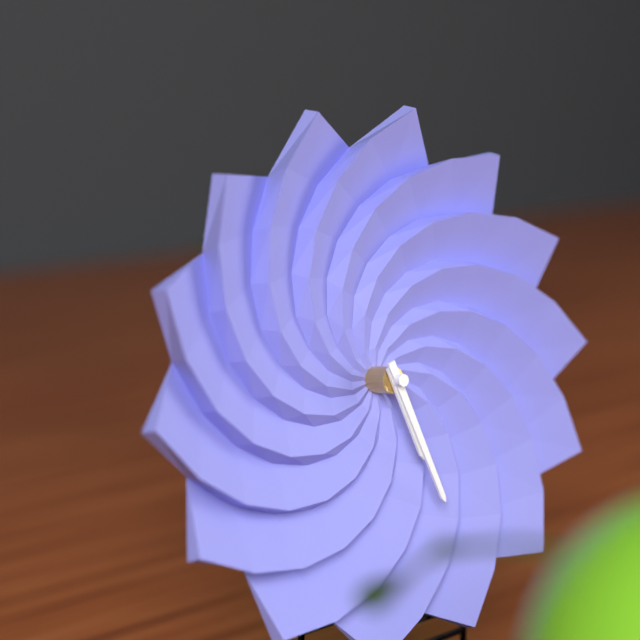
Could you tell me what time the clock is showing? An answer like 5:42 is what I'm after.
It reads 5:27
